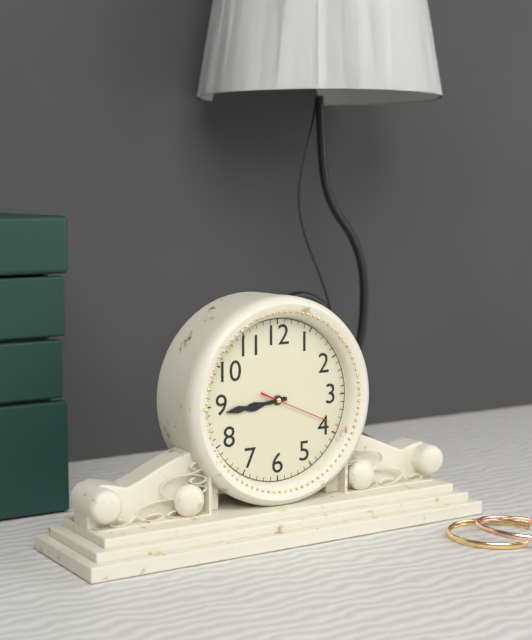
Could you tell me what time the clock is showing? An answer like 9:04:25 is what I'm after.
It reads 8:44:19
